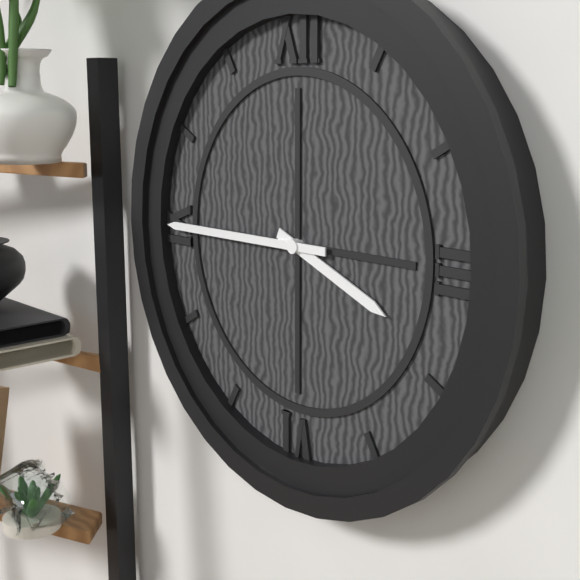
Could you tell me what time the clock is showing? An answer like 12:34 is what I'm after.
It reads 3:45
